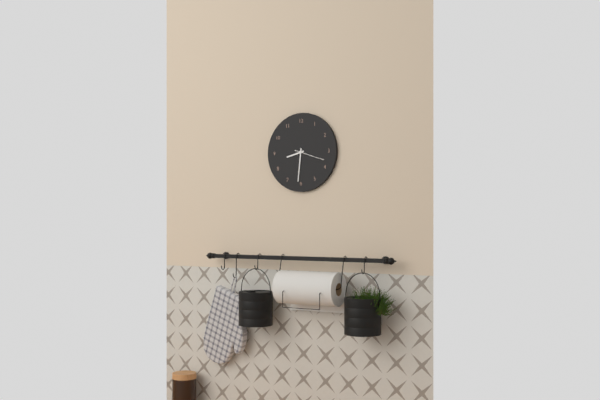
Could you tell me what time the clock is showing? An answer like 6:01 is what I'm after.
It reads 8:31
